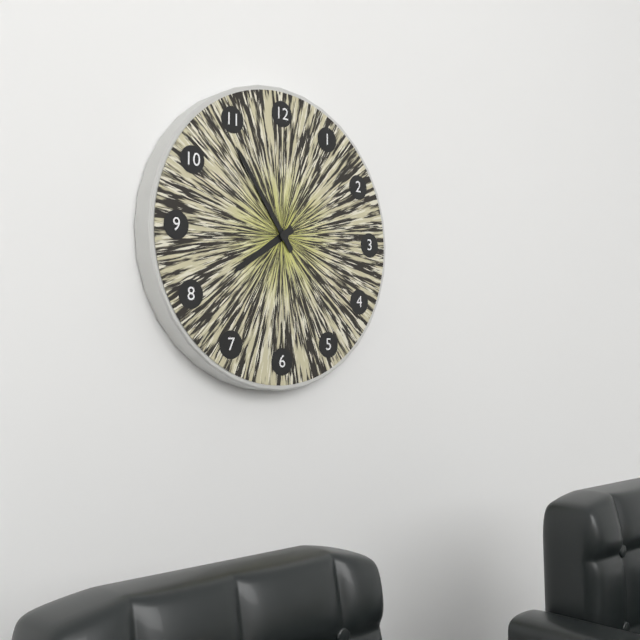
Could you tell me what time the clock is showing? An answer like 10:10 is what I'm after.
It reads 7:54
